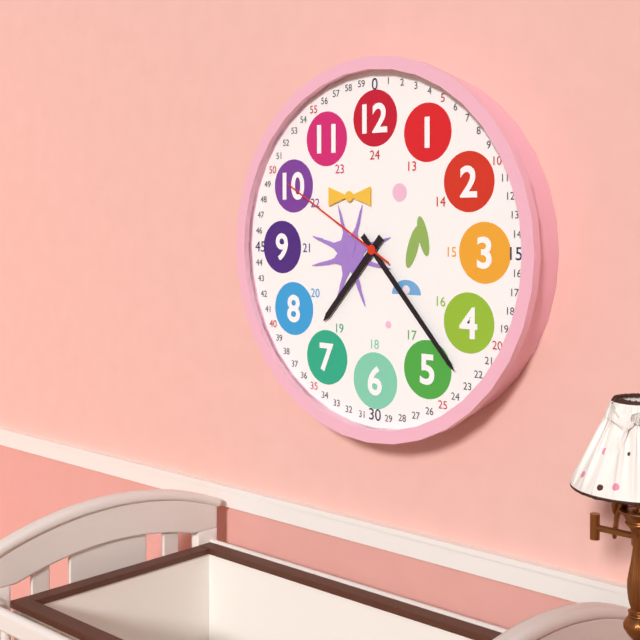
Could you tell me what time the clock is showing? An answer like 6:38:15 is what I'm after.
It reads 7:23:50
